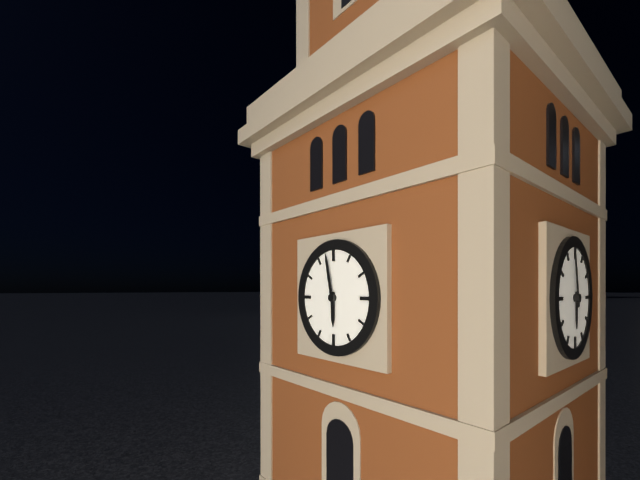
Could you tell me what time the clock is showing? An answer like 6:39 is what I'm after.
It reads 5:58
